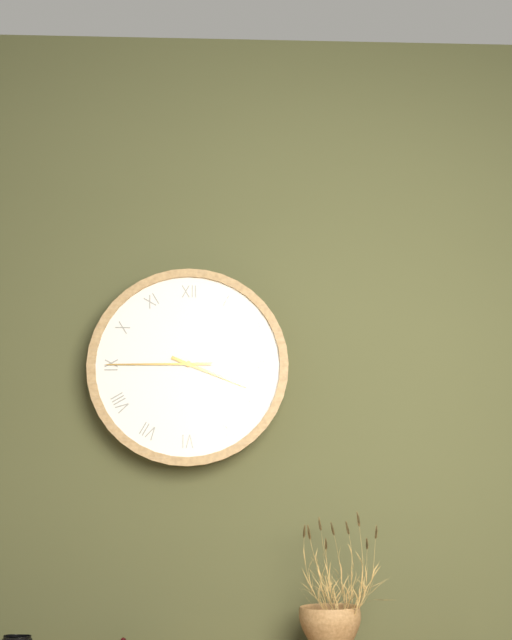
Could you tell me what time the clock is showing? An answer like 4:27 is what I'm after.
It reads 3:45
